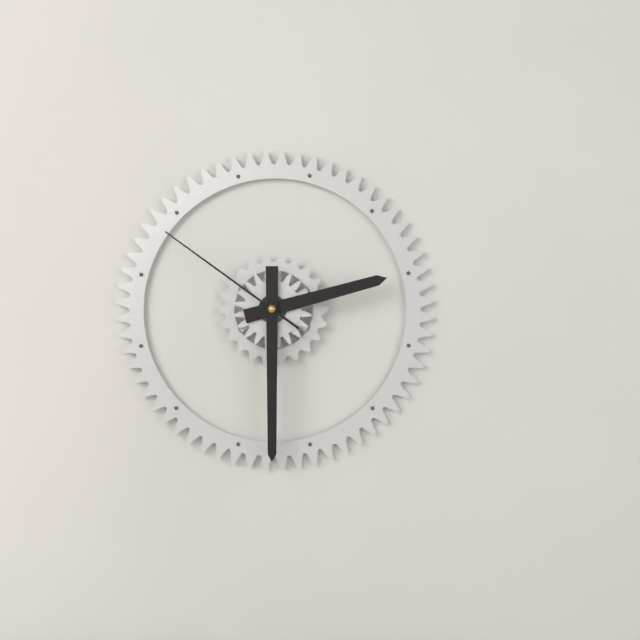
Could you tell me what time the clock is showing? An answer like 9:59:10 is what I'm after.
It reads 2:30:51
